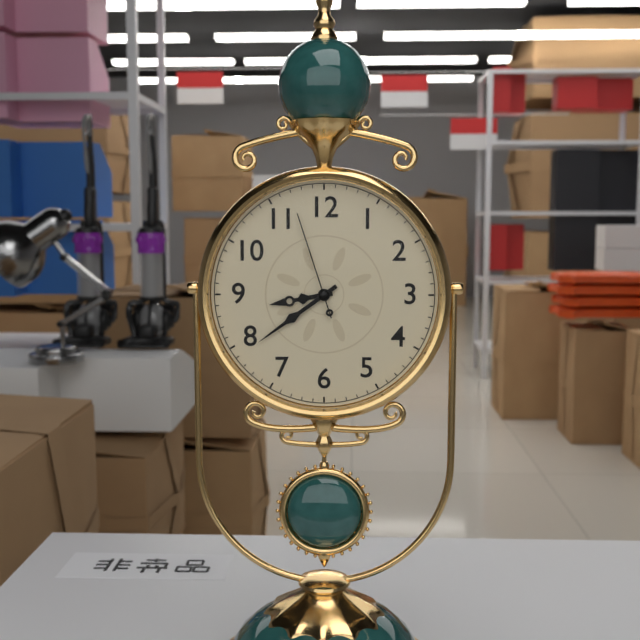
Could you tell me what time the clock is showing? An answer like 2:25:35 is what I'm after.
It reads 8:39:57
